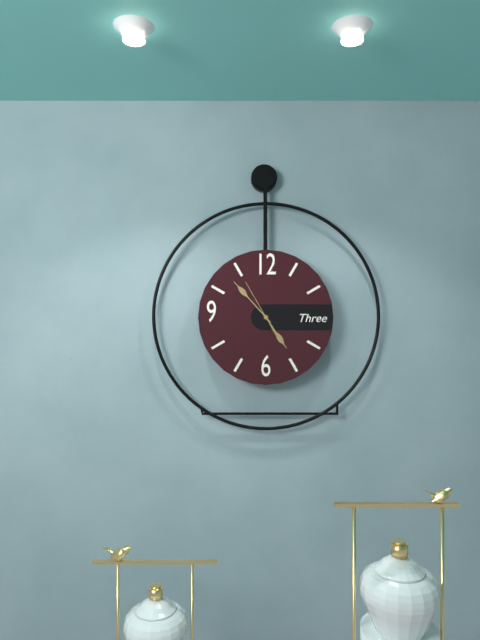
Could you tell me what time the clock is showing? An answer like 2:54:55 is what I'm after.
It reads 4:53:55
